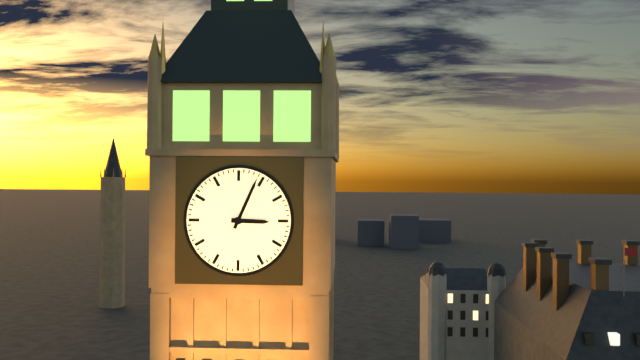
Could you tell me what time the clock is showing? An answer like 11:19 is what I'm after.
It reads 3:04
